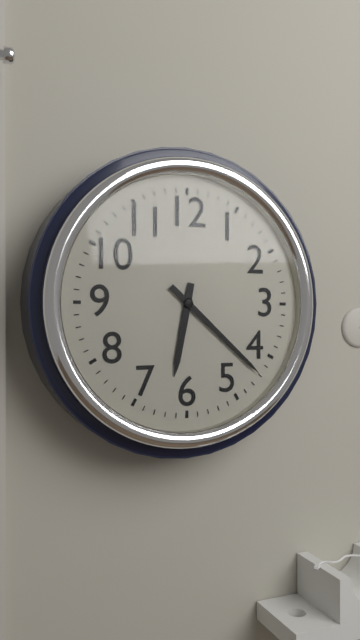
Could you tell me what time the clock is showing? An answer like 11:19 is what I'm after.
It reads 6:22
